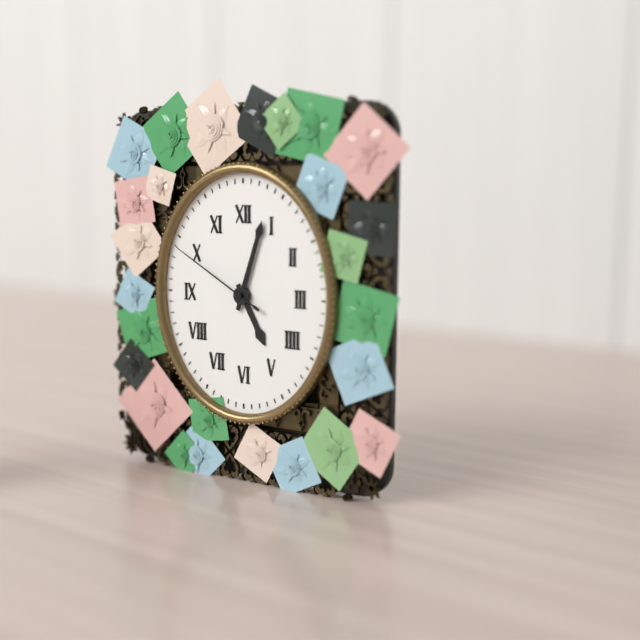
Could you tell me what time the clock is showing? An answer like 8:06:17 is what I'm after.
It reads 5:03:50
